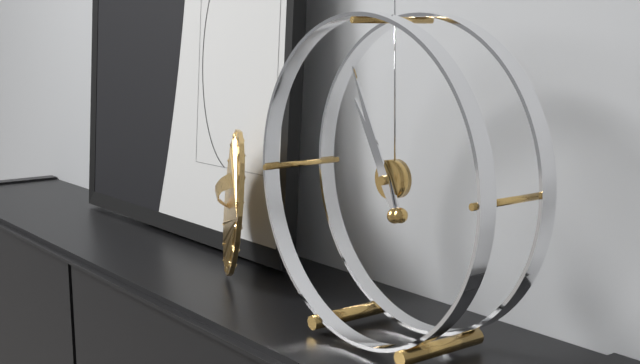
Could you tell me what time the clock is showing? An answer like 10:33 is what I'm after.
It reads 10:56
